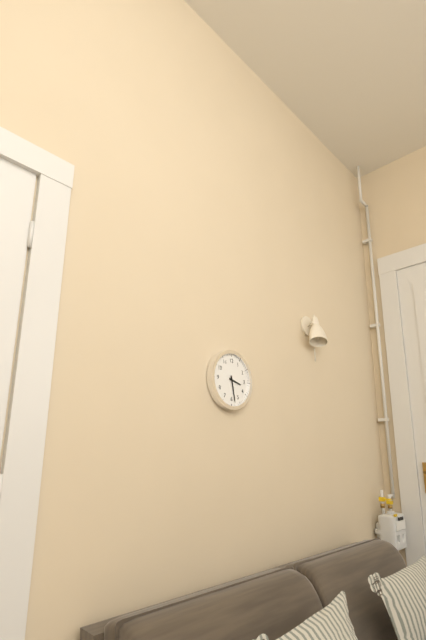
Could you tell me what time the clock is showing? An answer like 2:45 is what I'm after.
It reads 3:28
